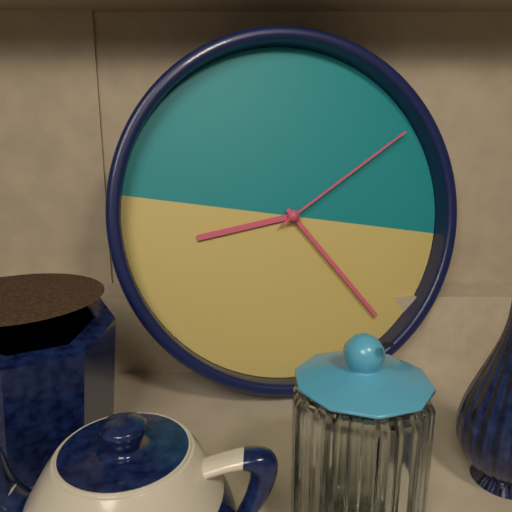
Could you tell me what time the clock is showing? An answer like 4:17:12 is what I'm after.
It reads 8:22:08
